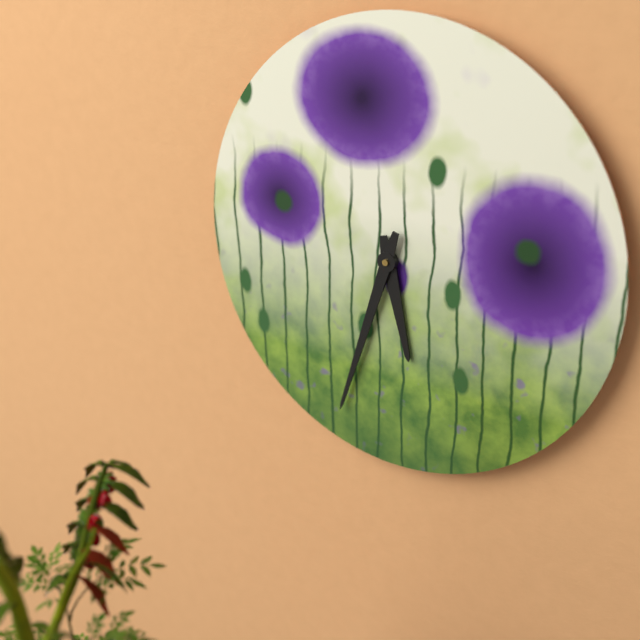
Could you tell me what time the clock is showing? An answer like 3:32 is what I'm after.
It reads 5:33
